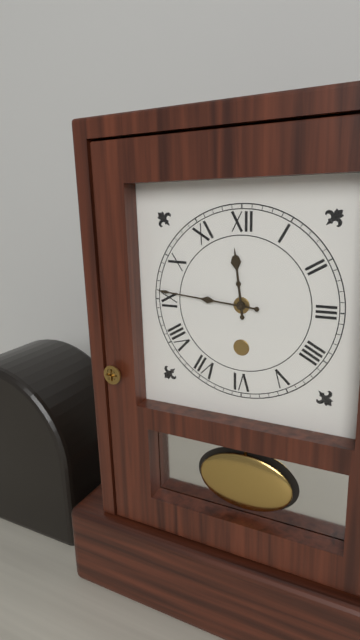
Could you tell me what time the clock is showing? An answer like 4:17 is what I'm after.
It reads 11:46
